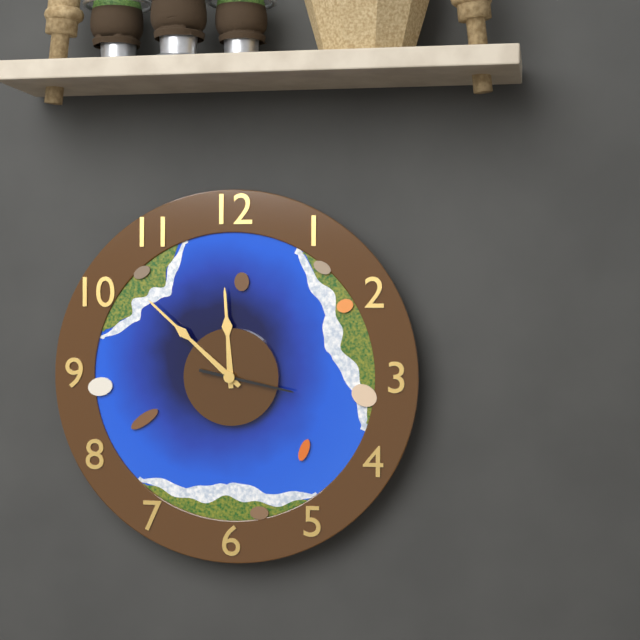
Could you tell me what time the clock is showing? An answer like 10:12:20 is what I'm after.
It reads 11:52:17
